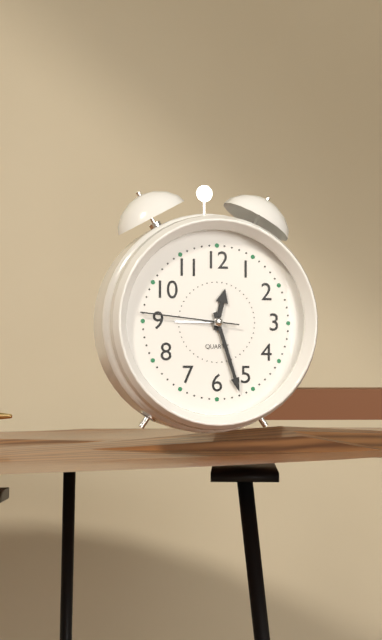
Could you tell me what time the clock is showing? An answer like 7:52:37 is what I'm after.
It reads 12:27:46
